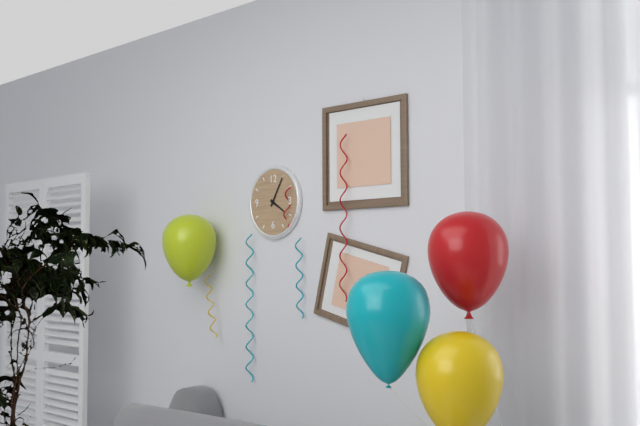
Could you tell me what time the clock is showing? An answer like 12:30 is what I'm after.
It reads 4:05
